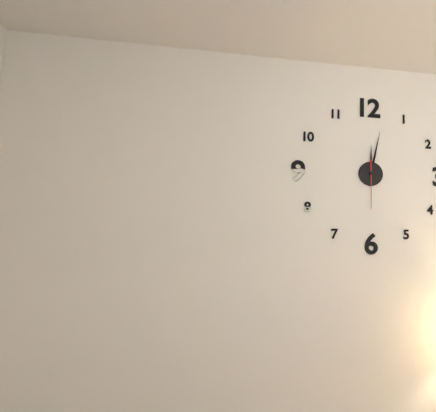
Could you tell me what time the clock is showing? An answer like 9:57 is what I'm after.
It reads 12:02
